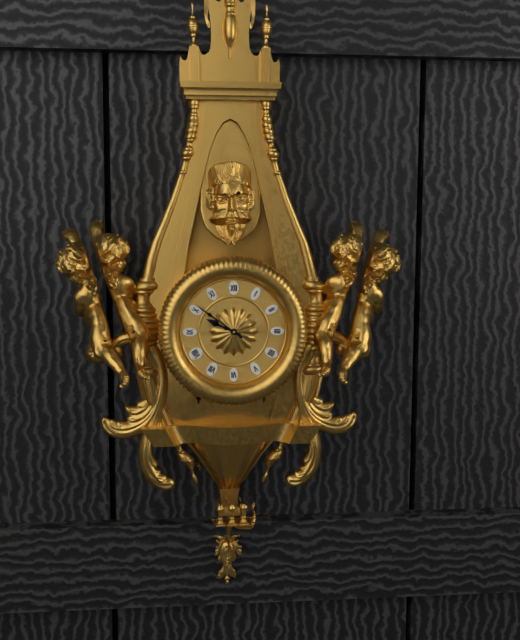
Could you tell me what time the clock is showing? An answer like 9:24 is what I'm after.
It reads 9:51
